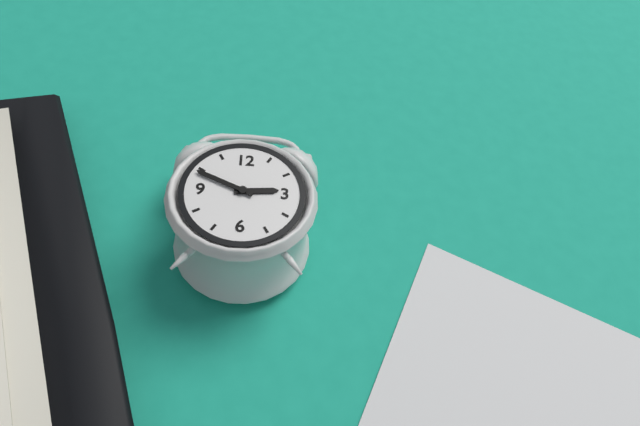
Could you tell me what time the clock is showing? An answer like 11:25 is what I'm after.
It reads 2:49
